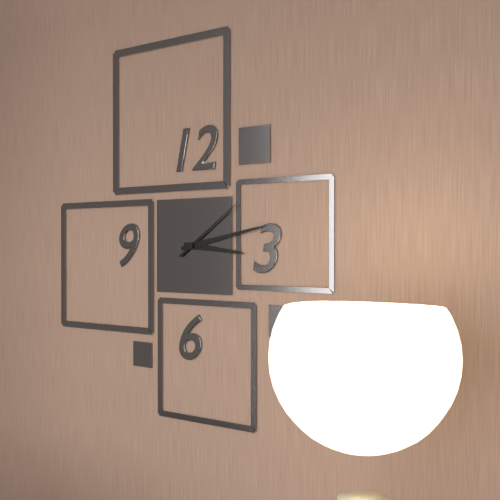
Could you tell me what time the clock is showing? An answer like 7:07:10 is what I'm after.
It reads 3:13:09
